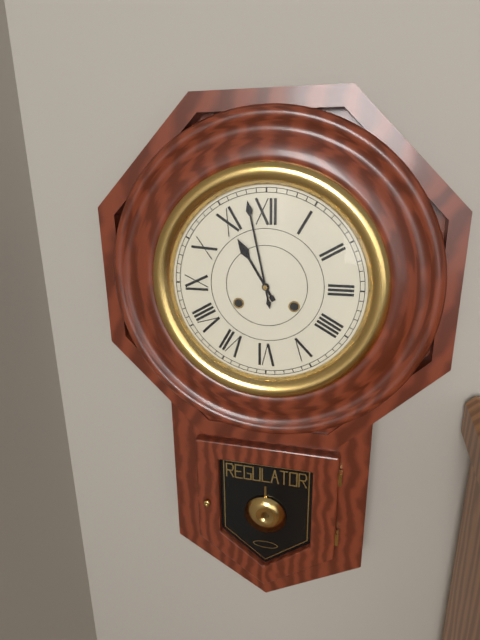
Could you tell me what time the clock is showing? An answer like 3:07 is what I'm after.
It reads 10:58
